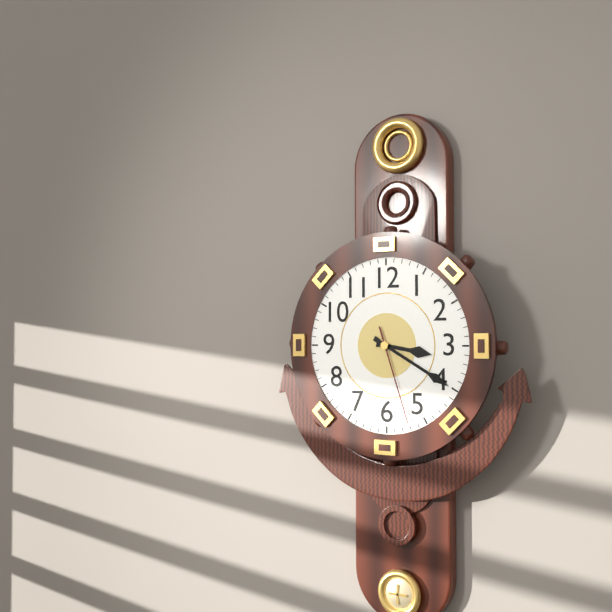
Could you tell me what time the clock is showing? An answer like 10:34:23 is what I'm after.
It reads 3:20:27
